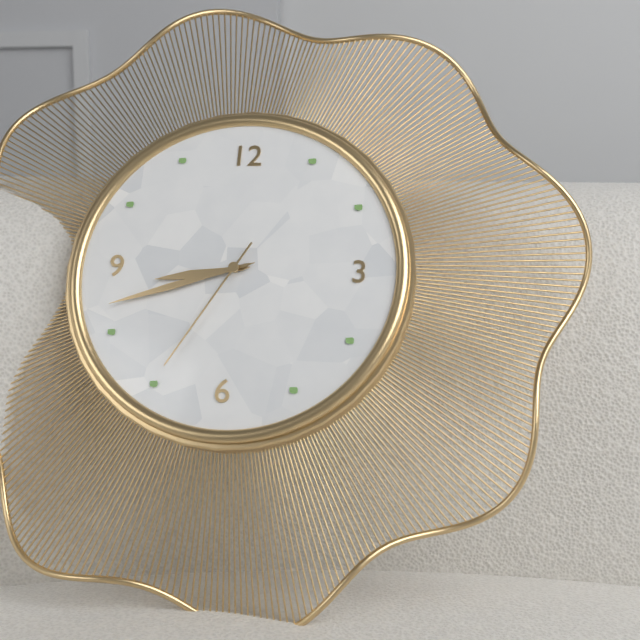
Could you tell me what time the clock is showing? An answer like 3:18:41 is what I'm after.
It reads 8:42:35
